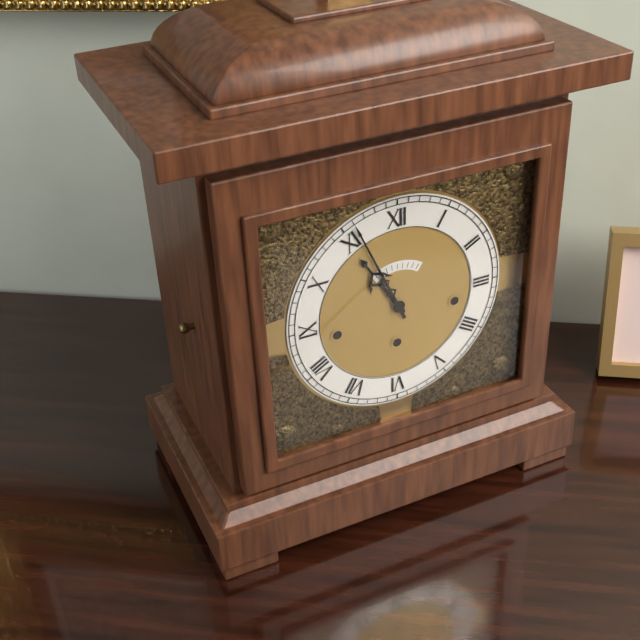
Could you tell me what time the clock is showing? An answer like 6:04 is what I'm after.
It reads 10:56
